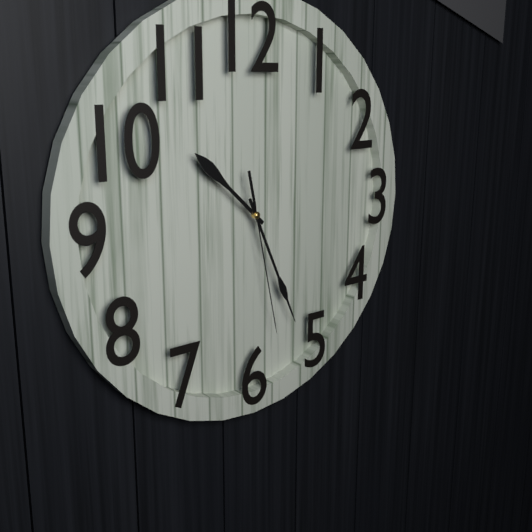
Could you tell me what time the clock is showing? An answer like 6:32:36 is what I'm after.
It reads 10:26:28
